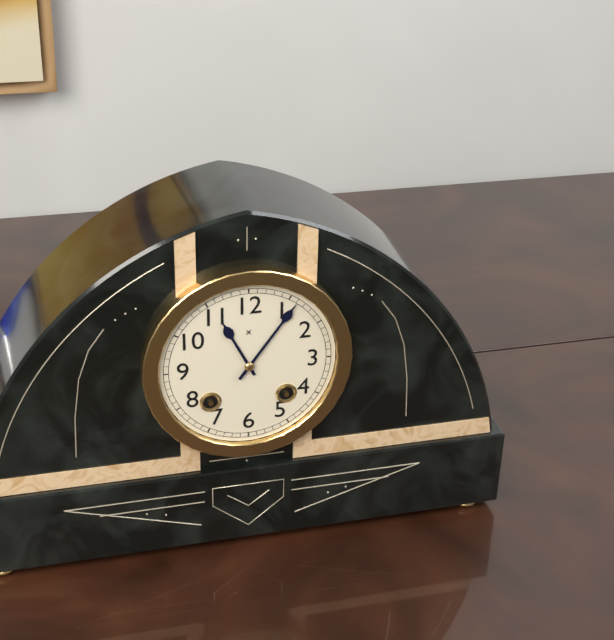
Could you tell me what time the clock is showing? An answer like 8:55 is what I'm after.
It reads 11:06
